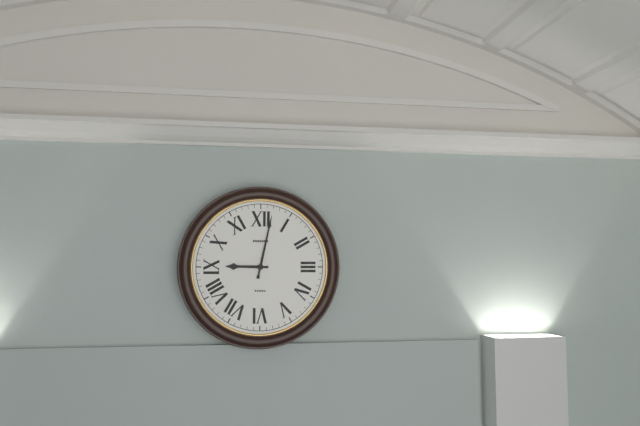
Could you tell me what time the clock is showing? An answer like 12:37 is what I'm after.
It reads 9:02
